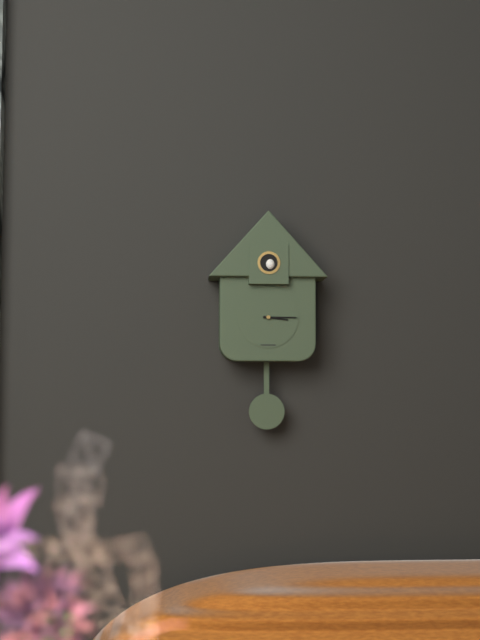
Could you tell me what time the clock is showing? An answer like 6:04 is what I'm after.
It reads 3:15
